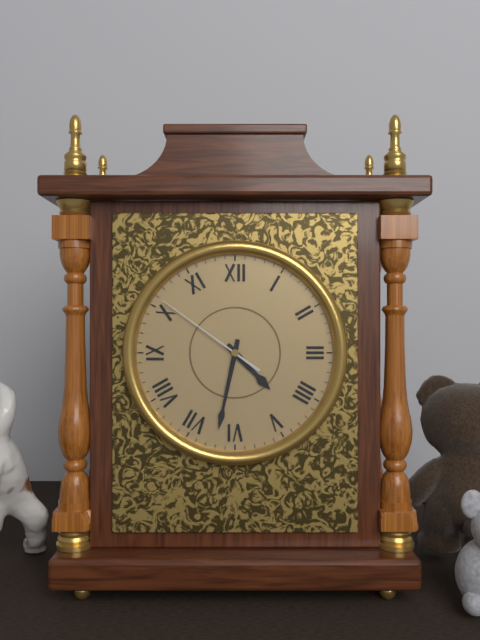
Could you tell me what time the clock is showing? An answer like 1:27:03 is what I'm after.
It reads 4:32:51
